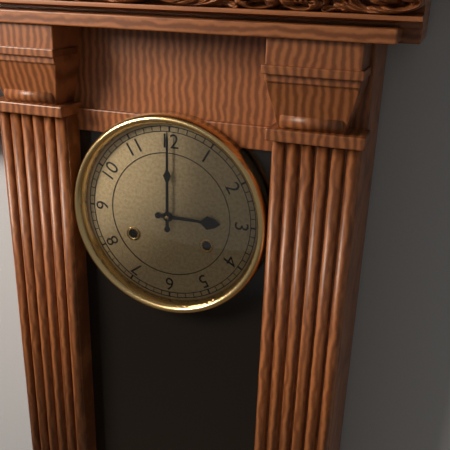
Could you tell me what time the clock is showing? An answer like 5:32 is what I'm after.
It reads 3:00
